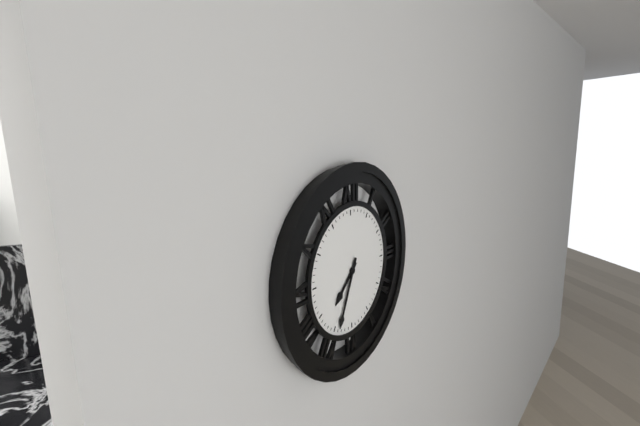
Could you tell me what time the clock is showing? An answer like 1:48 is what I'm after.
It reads 7:34
